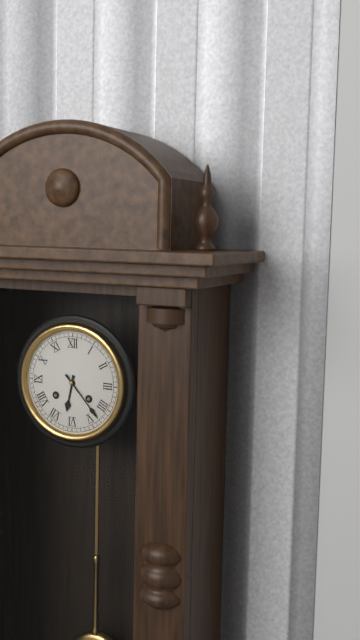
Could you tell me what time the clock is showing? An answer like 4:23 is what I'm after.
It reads 6:23
